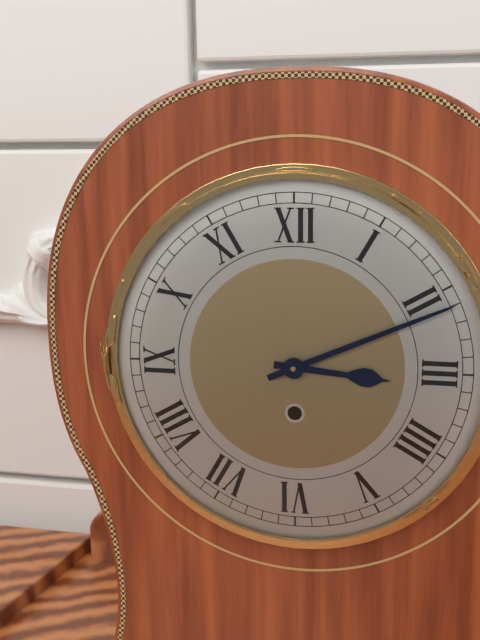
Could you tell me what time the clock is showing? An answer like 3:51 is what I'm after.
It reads 3:11
